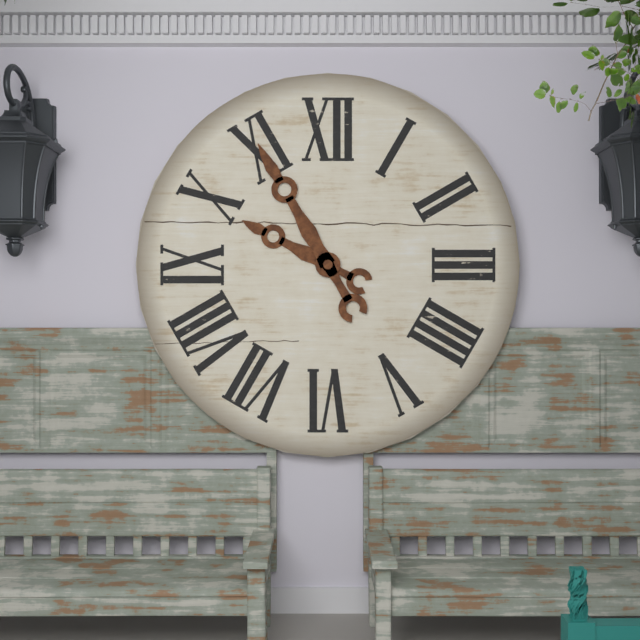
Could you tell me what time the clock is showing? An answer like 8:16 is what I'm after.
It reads 9:55
